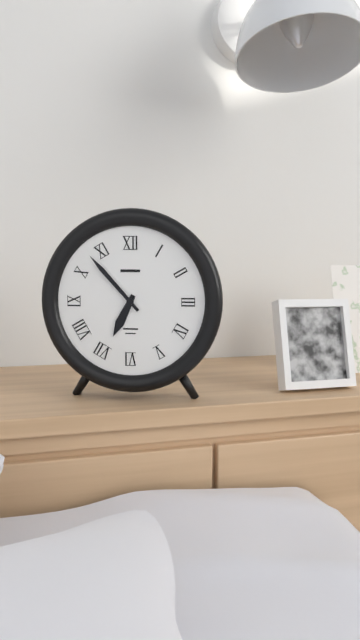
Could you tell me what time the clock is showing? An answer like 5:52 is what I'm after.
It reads 6:53
